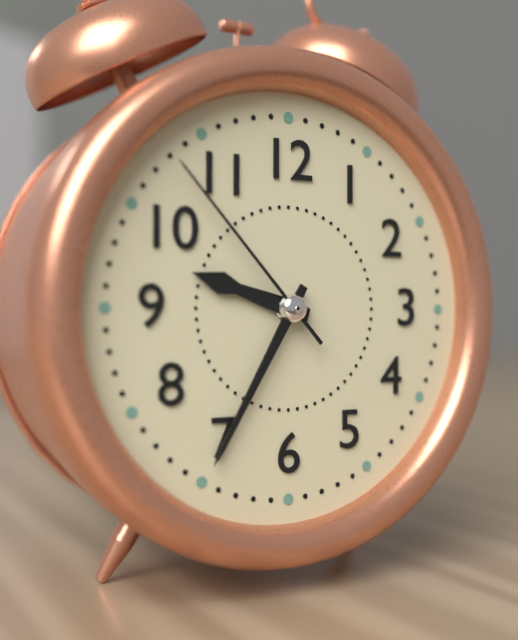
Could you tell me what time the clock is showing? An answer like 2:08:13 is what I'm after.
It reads 9:35:53
